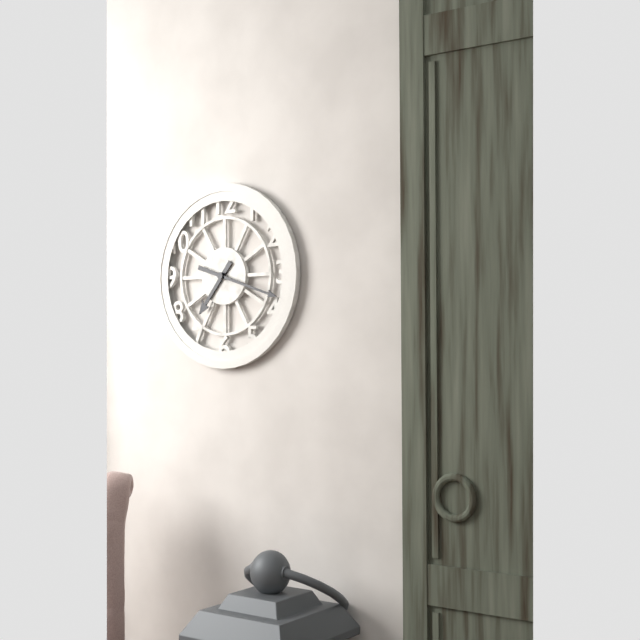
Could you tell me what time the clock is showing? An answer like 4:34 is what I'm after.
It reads 7:18
